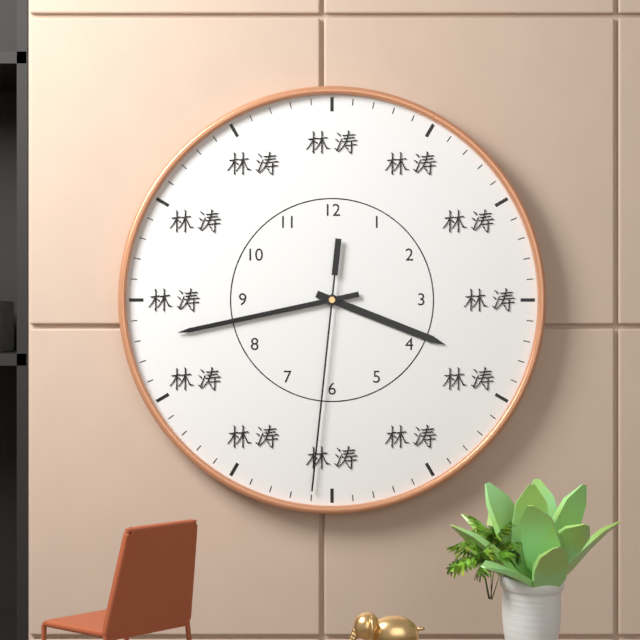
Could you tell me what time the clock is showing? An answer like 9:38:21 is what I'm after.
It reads 3:43:31
